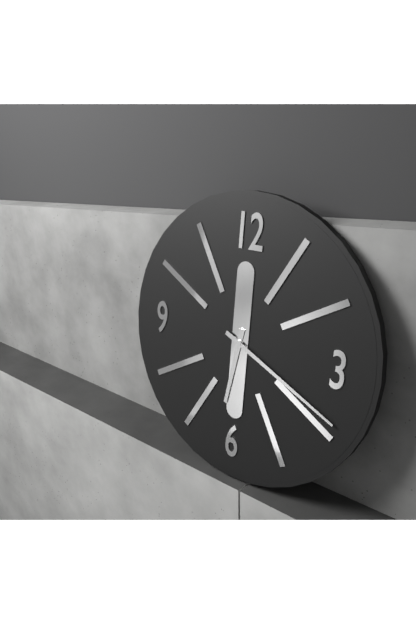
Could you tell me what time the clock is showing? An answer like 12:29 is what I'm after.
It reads 6:19
